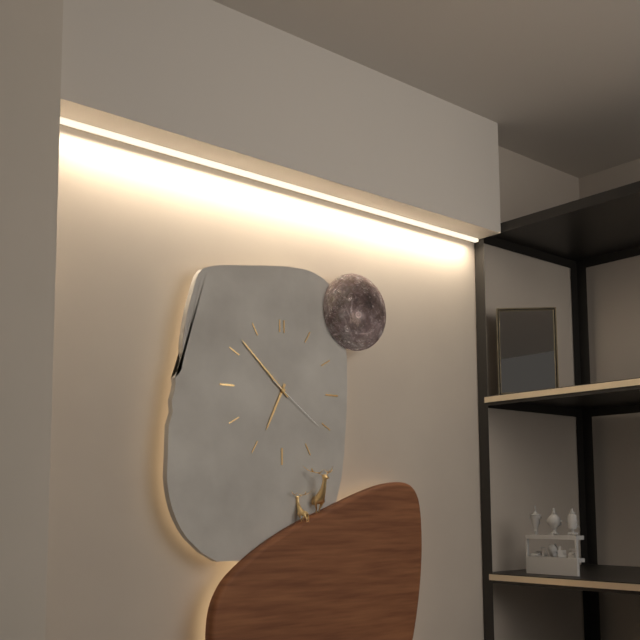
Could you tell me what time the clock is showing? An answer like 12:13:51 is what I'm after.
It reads 6:52:21
